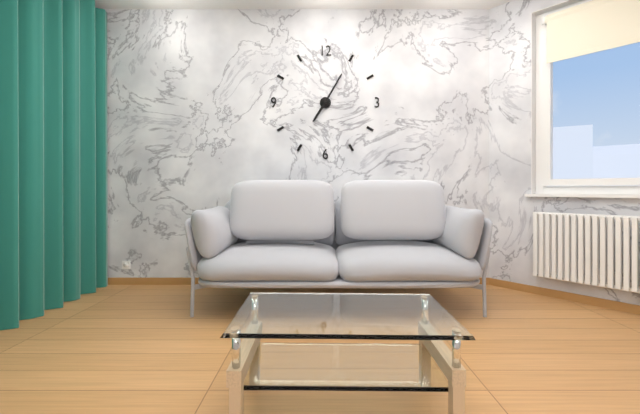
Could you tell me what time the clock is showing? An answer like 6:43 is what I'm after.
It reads 7:05
